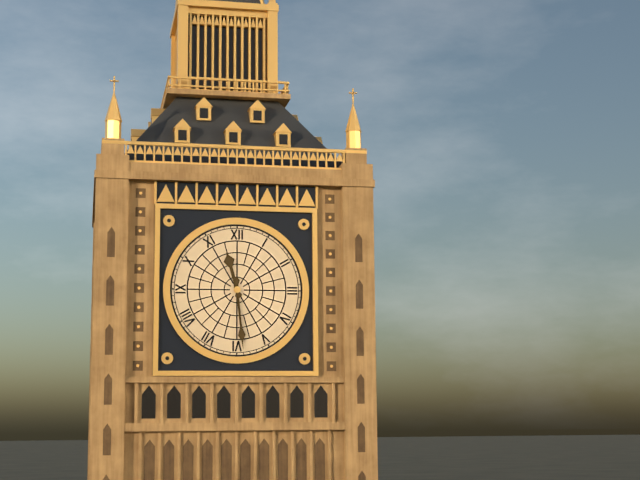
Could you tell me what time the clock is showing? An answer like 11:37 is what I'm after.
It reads 11:29
